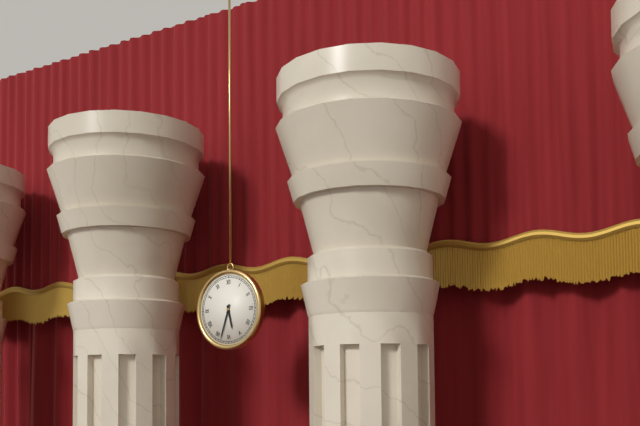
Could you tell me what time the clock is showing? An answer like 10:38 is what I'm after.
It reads 5:33
